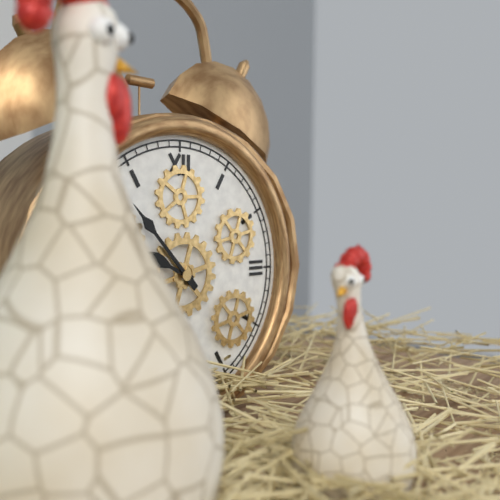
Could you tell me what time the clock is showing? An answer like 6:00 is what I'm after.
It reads 9:53
